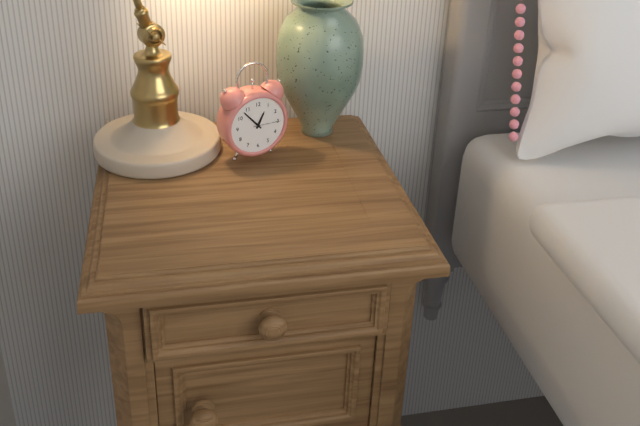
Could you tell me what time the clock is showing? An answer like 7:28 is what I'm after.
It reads 12:53
